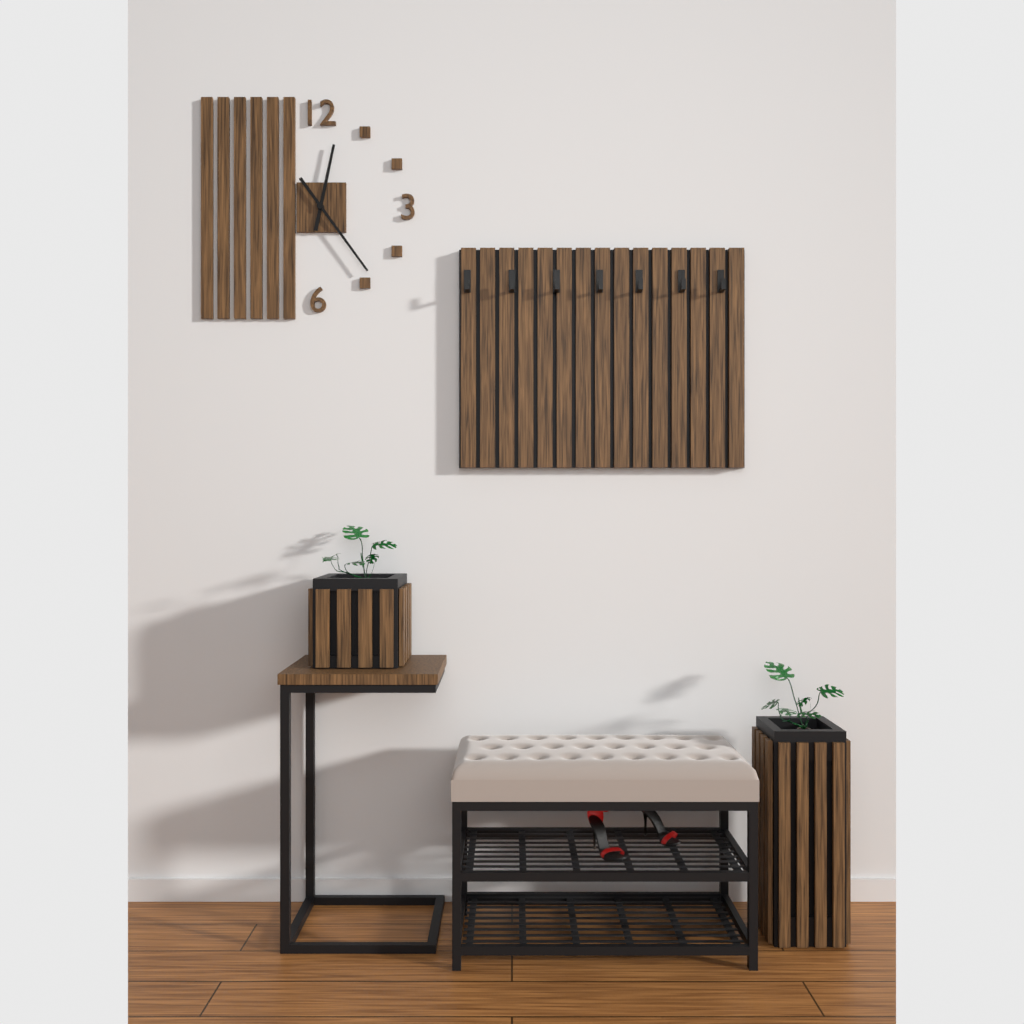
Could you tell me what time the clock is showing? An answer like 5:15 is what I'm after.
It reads 12:24
